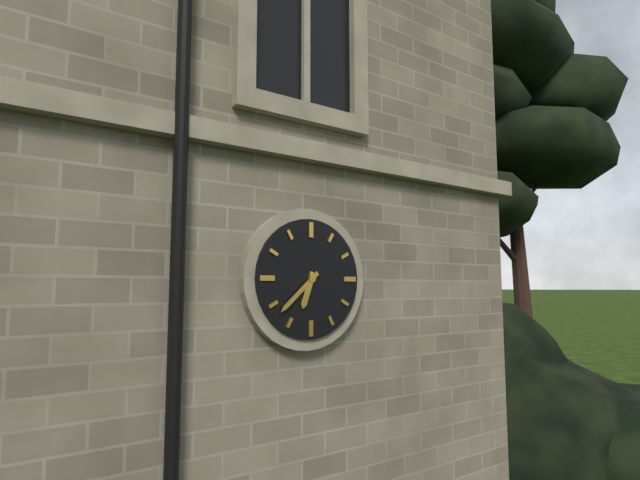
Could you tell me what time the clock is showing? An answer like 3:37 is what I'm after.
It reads 6:38
